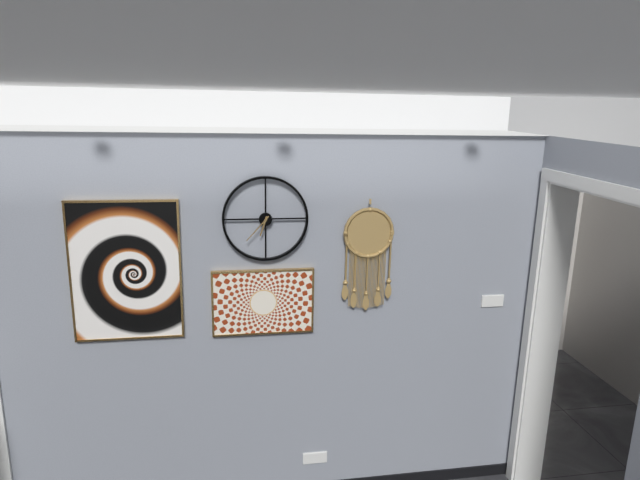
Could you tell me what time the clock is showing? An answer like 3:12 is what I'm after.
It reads 6:37
